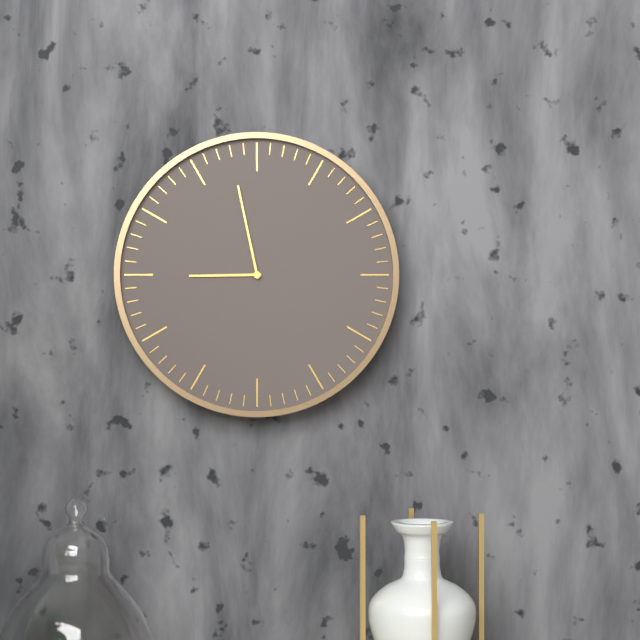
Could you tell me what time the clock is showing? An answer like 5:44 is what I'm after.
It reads 8:58
